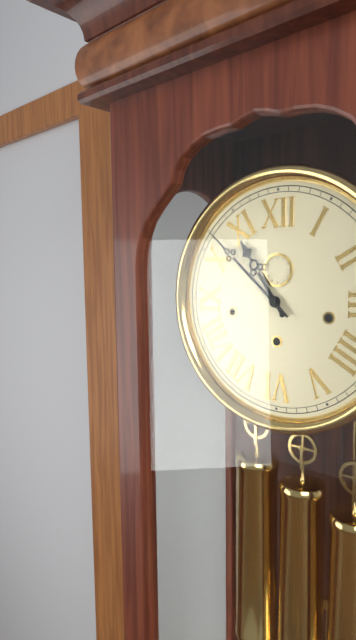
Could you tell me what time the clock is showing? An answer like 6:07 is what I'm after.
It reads 10:52
